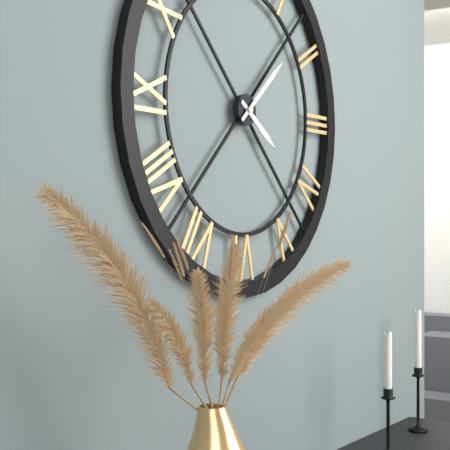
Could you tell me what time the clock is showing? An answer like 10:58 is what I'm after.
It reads 4:08
